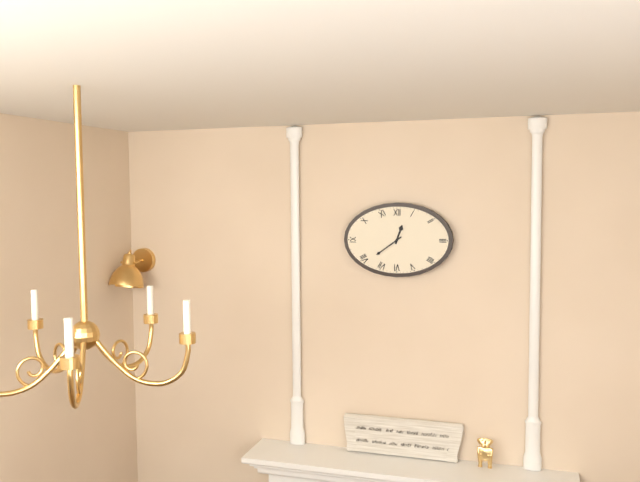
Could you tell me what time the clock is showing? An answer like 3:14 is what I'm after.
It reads 12:39
